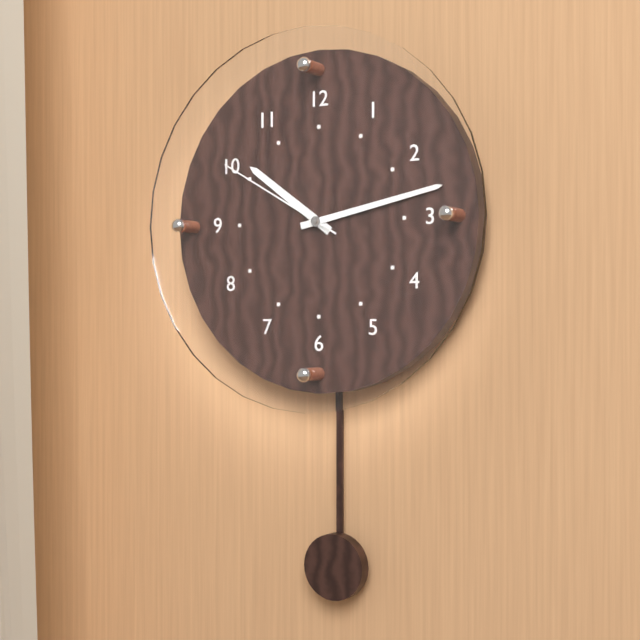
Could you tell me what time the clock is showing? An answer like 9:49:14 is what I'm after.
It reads 10:13:50
